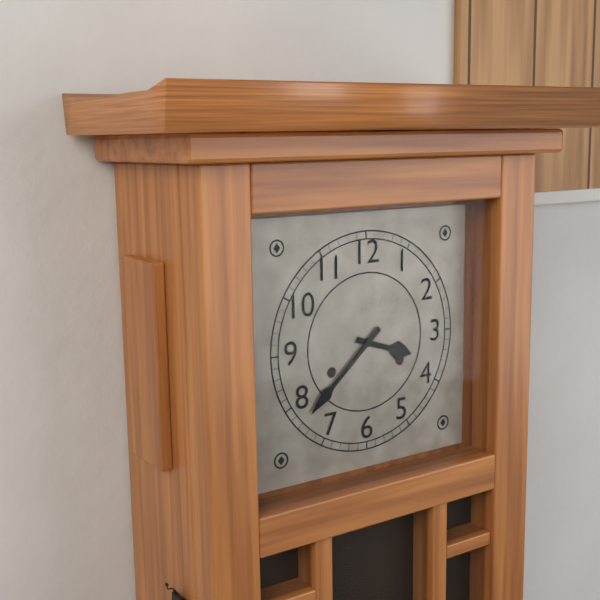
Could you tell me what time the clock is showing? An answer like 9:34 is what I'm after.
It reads 3:38
